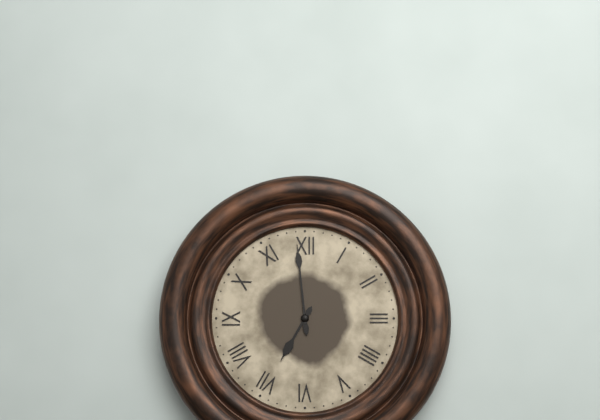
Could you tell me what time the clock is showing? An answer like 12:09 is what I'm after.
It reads 6:59
